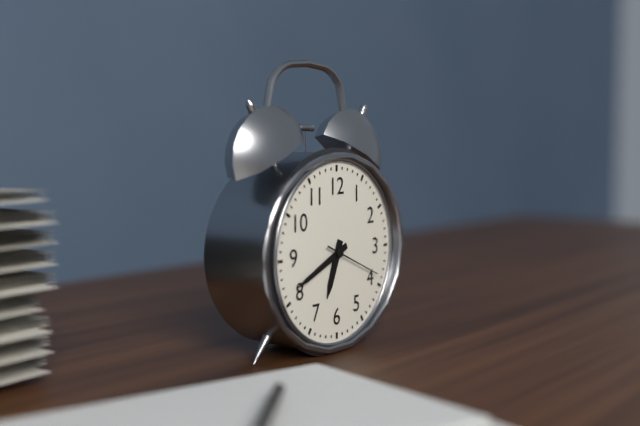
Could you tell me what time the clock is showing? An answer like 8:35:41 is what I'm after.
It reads 6:41:19
